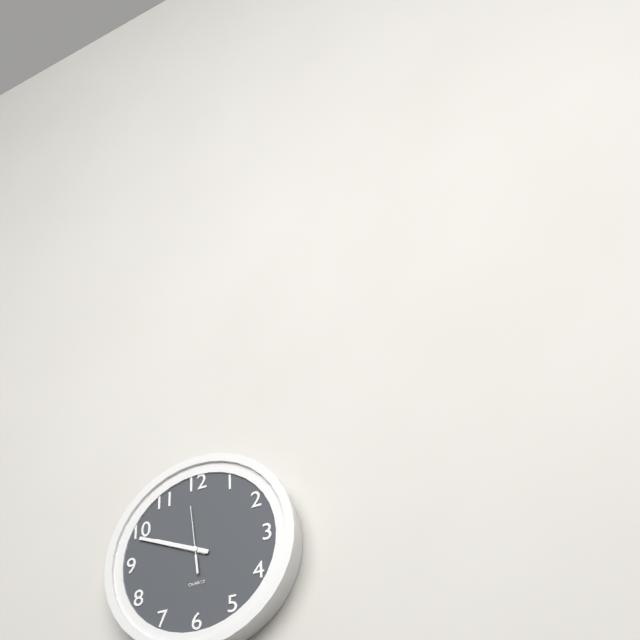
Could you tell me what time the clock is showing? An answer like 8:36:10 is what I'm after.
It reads 9:49:59
